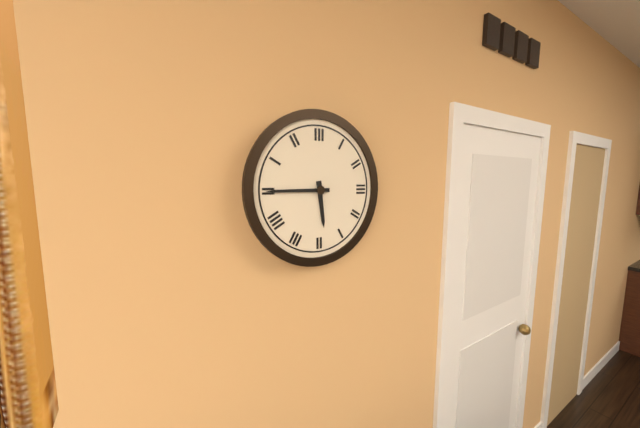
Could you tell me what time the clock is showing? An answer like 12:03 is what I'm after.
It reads 5:45
